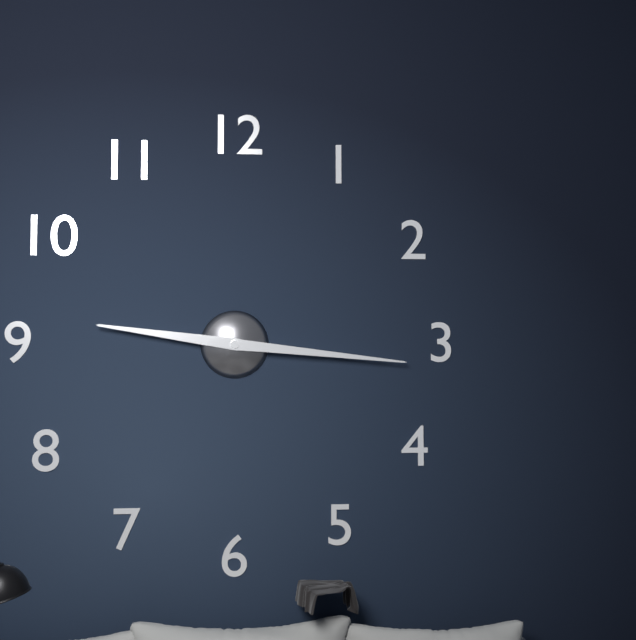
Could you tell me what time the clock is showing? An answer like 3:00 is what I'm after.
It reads 9:16
